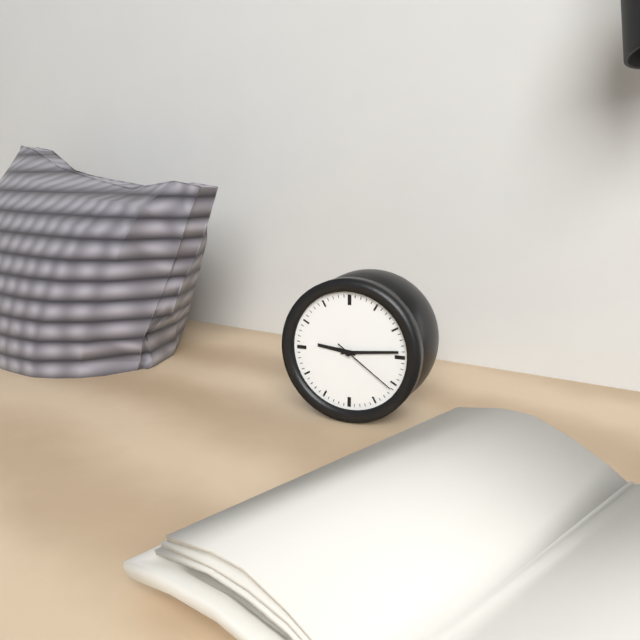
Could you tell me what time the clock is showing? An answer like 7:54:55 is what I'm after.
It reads 9:14:21
